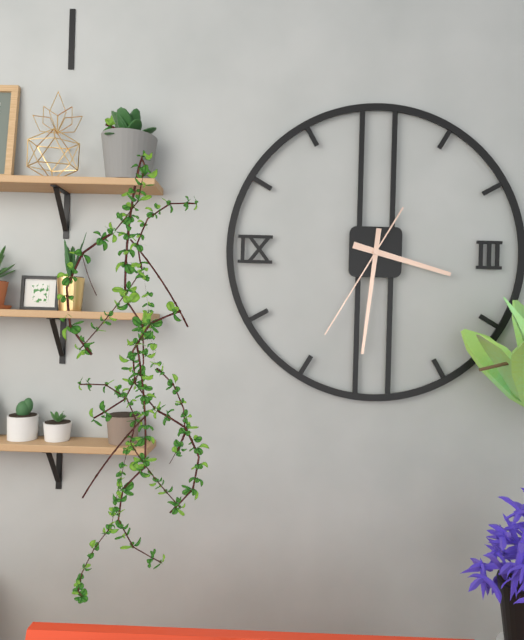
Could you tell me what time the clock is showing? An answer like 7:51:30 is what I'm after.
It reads 3:31:35
